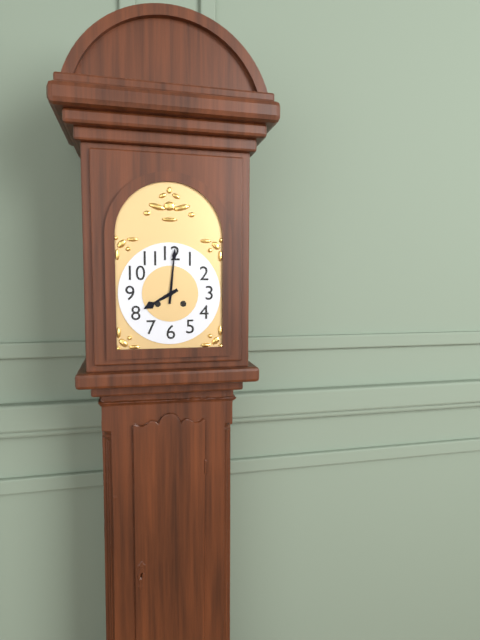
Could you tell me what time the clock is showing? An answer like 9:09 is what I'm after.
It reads 8:01
